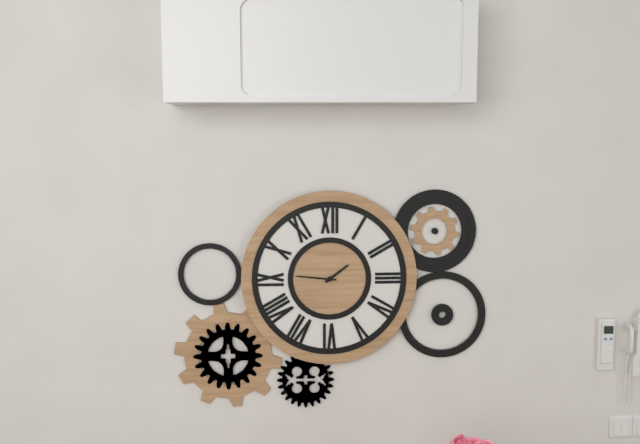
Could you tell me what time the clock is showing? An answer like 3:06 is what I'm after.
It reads 1:46
